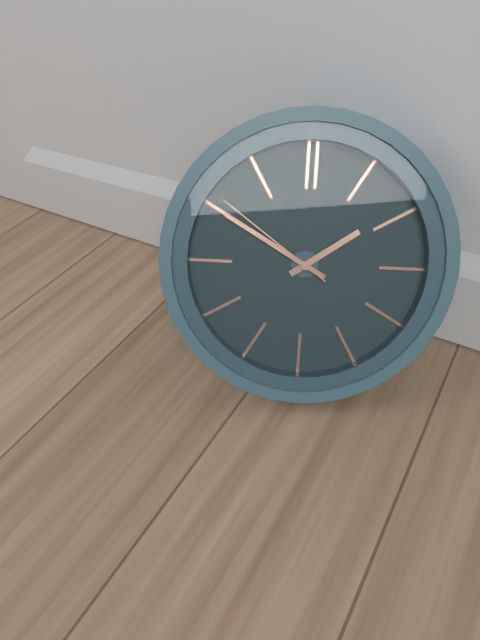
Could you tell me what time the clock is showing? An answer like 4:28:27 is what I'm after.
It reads 1:50:51
